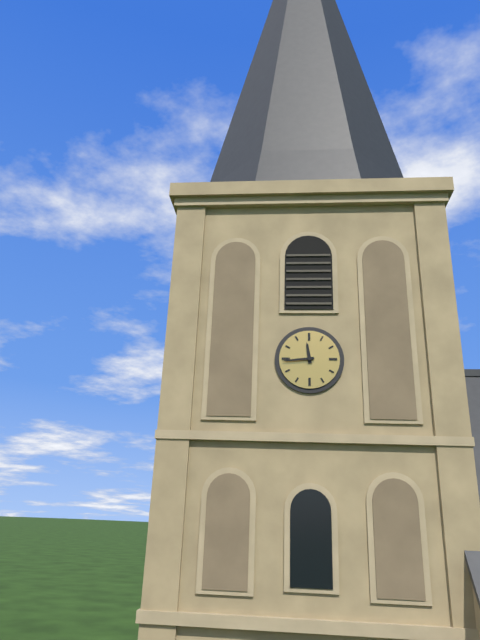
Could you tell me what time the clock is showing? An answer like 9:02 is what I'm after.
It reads 11:44
